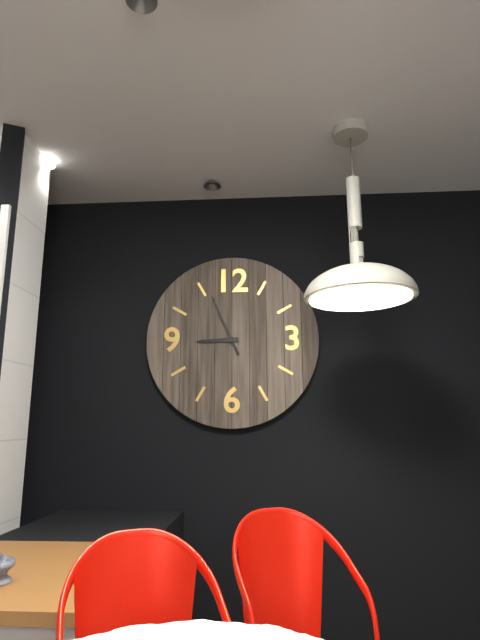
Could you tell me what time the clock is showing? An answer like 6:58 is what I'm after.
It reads 8:56
